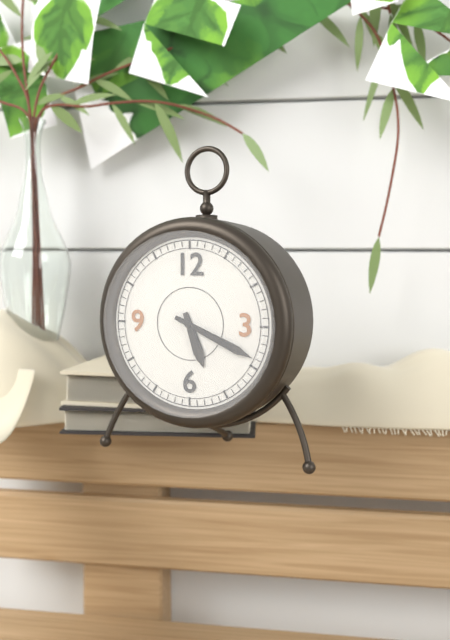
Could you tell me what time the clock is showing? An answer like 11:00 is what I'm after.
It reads 5:19
